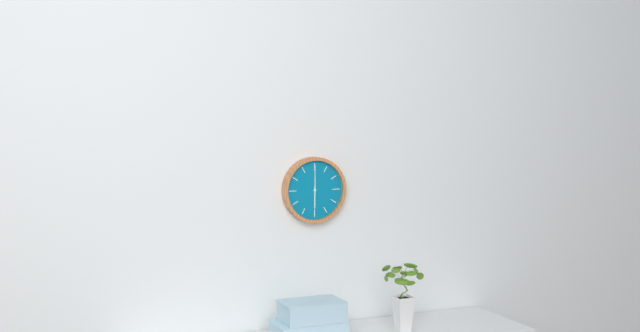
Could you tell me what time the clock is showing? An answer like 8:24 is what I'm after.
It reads 6:00
